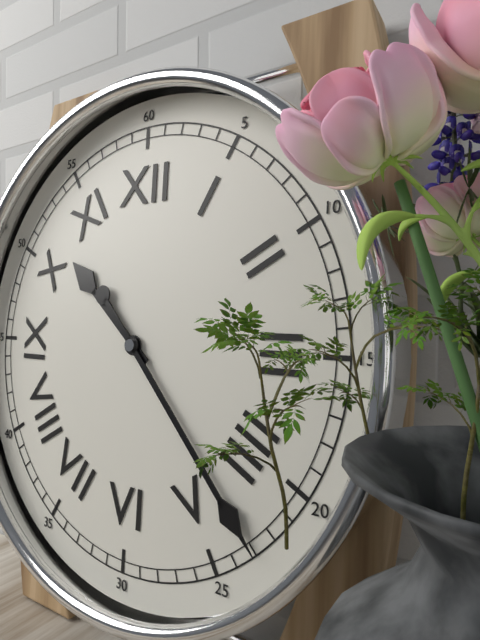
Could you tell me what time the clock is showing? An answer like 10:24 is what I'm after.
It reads 10:23
